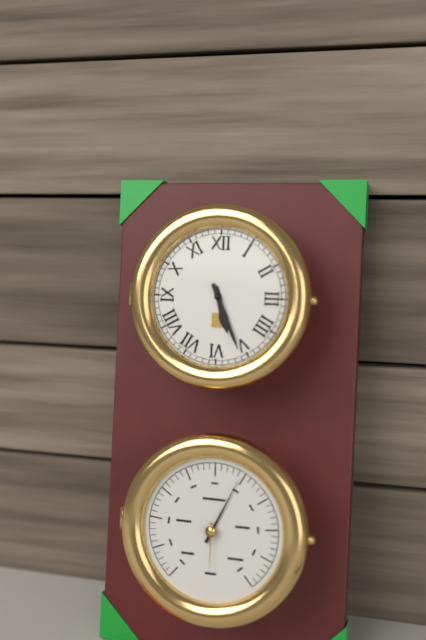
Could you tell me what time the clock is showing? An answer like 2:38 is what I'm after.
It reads 5:26
